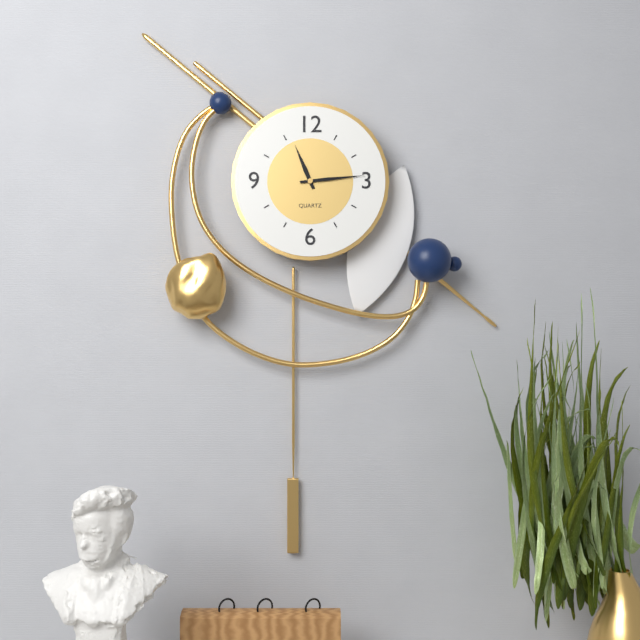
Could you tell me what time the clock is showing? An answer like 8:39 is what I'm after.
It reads 11:14
